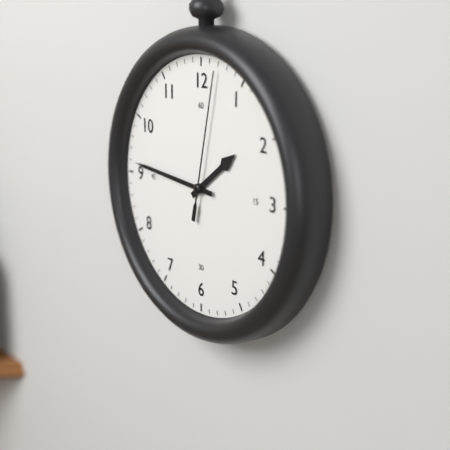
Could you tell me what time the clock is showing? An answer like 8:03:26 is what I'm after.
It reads 1:46:02
